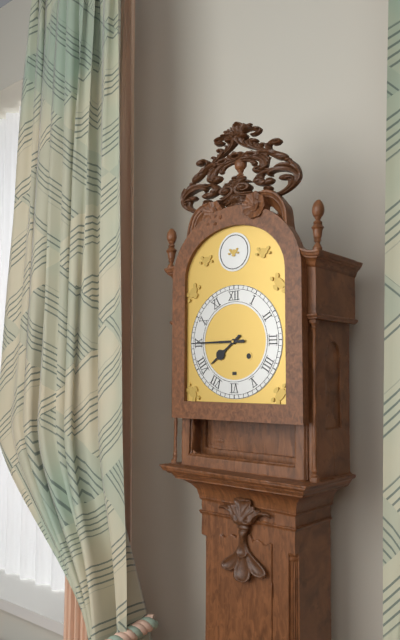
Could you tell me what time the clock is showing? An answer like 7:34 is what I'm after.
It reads 7:45
